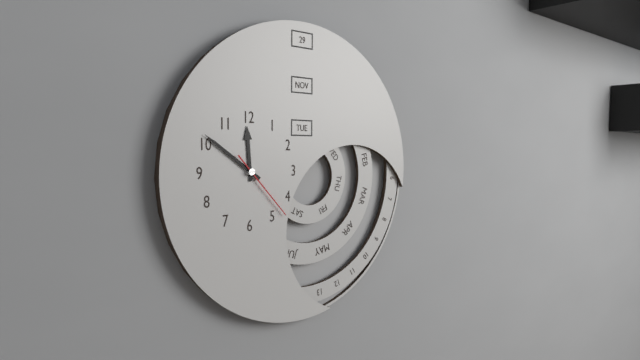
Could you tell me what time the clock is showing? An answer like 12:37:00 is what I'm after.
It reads 11:51:23
